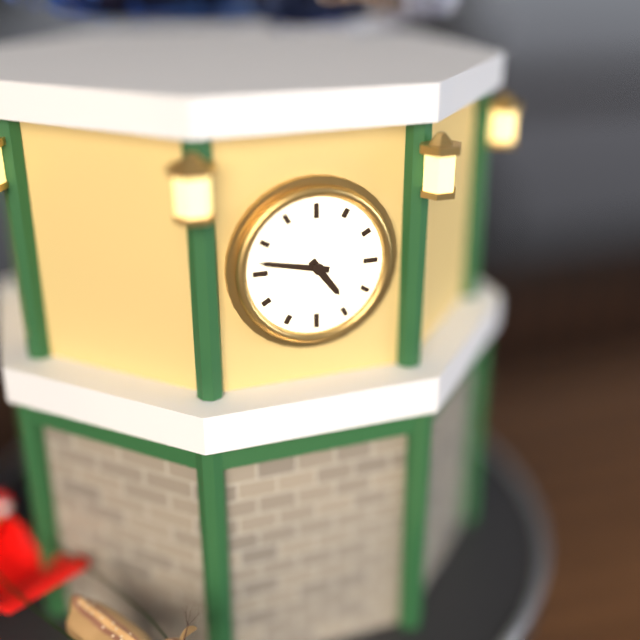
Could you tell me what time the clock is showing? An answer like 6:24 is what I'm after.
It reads 4:47
